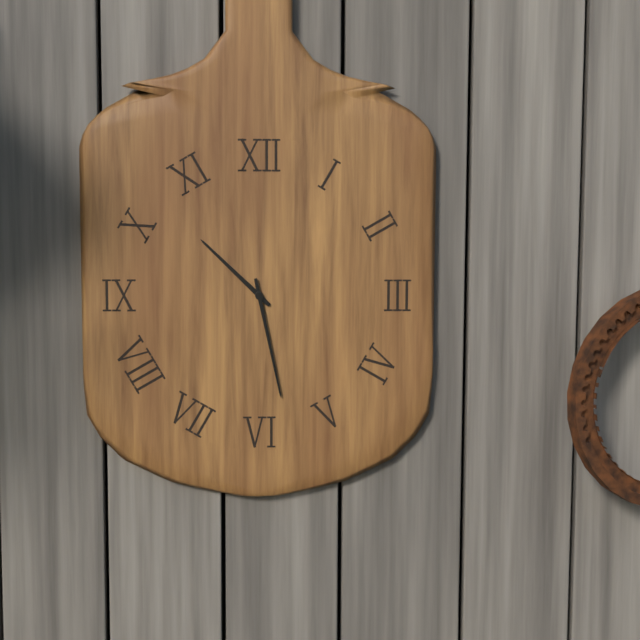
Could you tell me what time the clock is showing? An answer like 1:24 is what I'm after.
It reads 10:28
